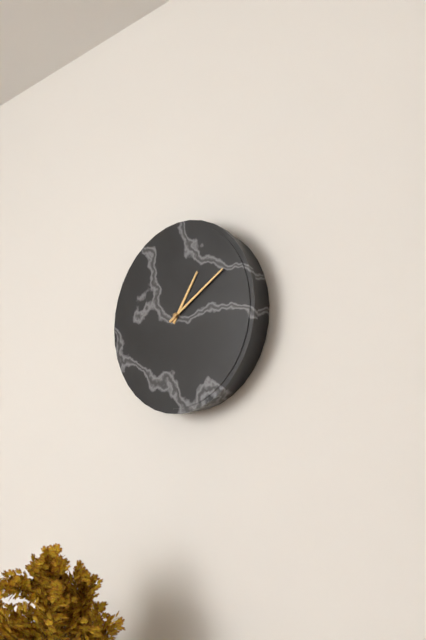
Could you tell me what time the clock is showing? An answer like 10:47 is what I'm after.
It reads 1:10
